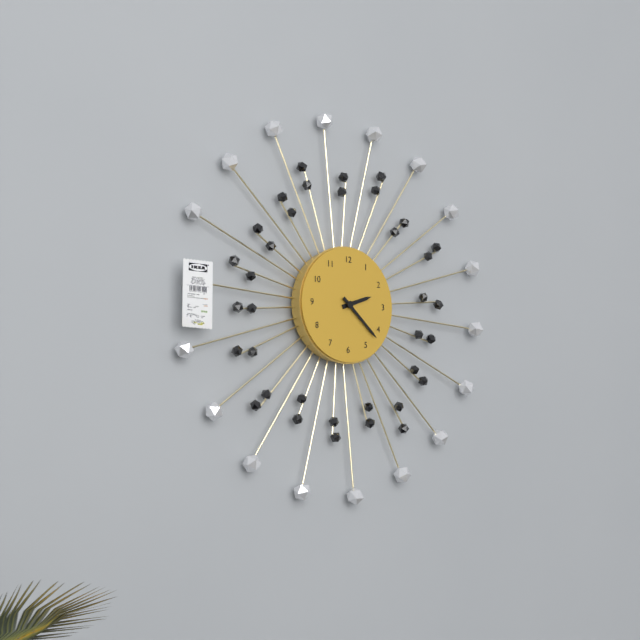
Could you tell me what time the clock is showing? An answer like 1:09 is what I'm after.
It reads 2:22
